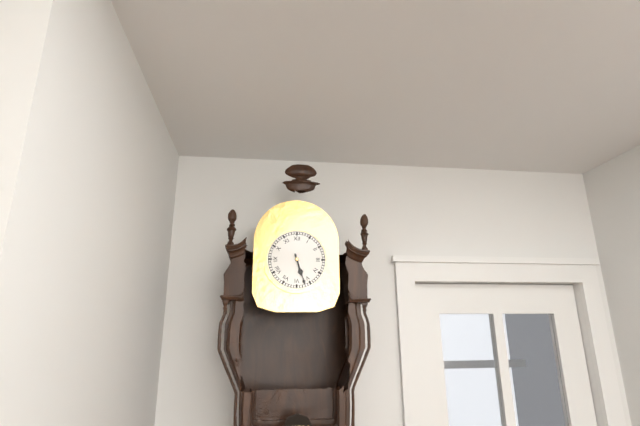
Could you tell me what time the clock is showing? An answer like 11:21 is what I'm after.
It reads 5:27
